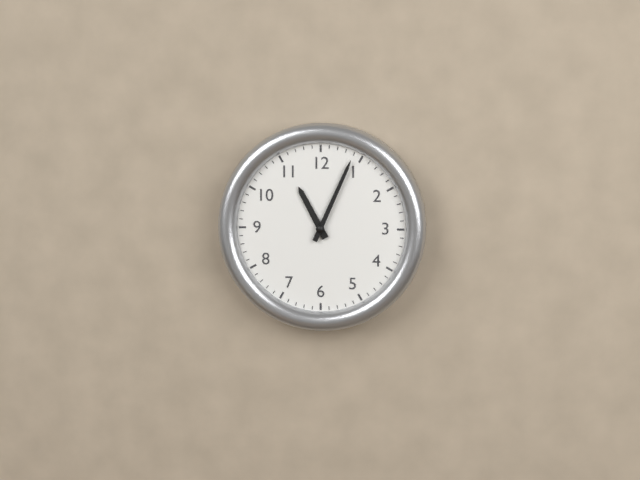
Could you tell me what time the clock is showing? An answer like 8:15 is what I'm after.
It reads 11:04
